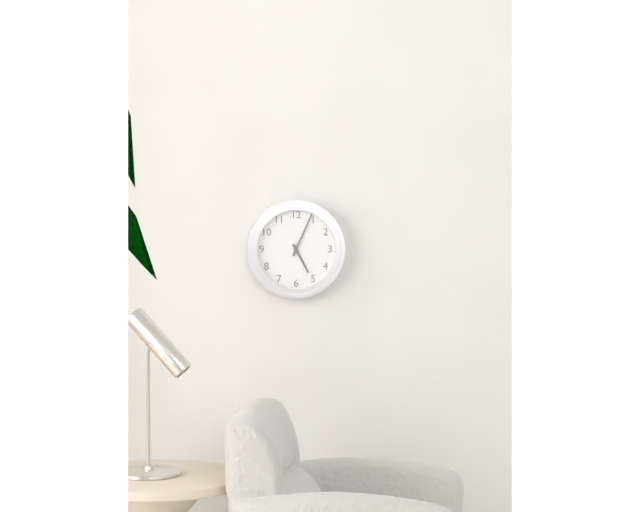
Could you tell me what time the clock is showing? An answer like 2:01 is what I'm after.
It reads 5:04
